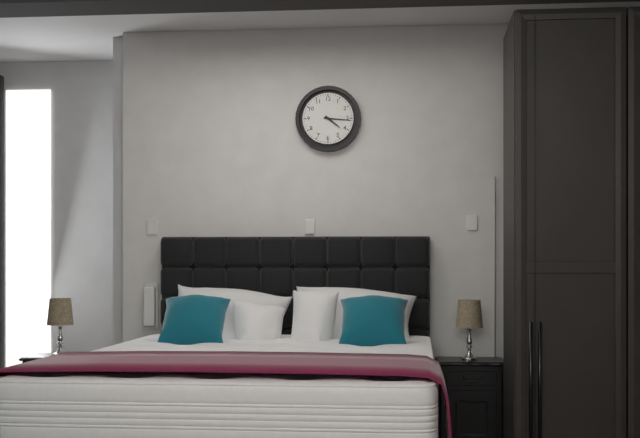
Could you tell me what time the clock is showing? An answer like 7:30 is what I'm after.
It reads 4:16
